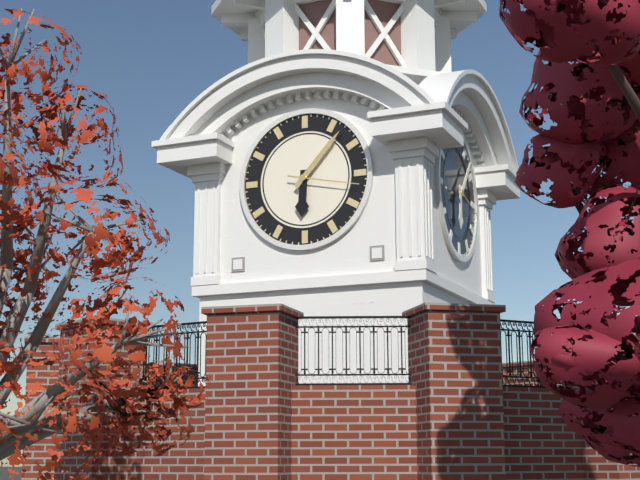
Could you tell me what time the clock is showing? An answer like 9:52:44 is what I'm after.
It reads 6:07:17
